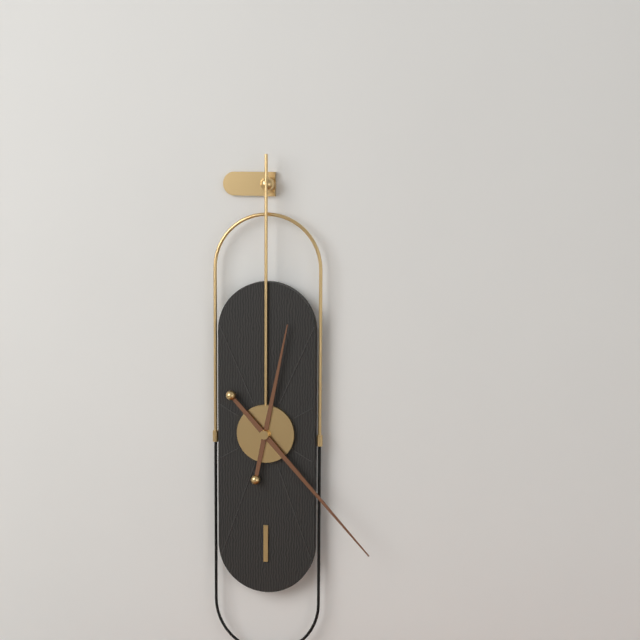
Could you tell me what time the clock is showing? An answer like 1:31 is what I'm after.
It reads 12:23
